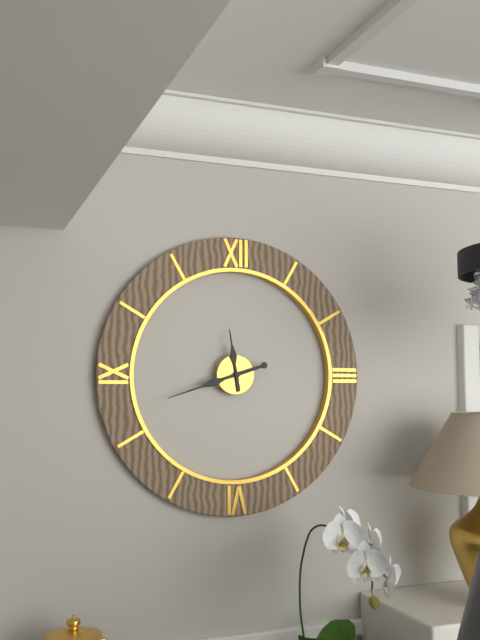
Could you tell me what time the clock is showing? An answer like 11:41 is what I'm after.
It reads 11:42
